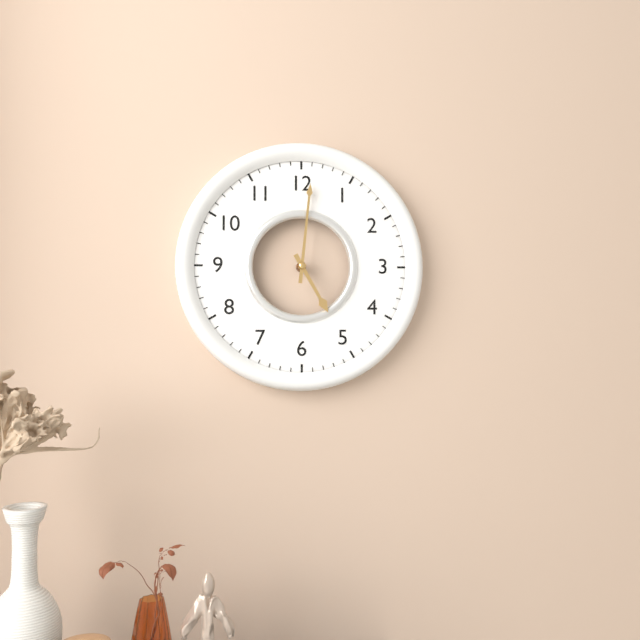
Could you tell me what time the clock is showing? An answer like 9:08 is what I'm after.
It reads 5:01
